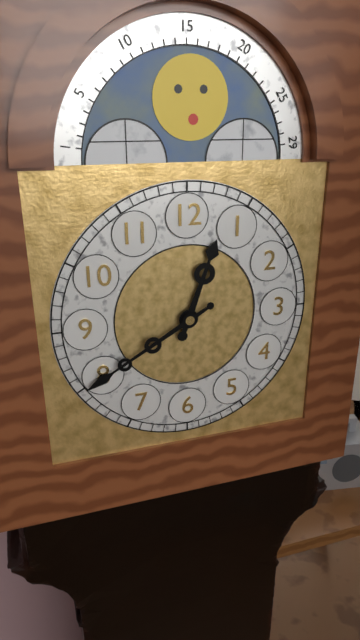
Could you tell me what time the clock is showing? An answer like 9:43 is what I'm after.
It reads 12:40
